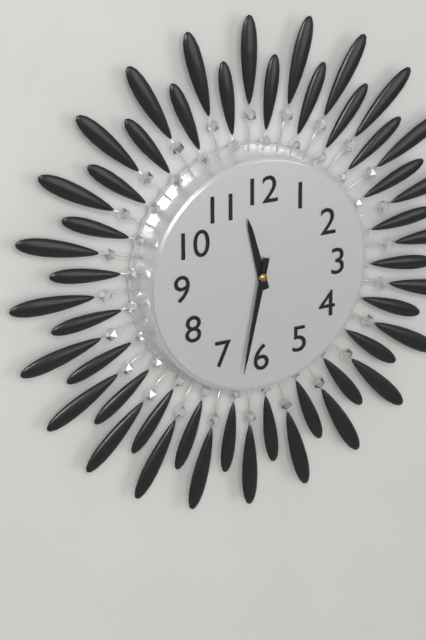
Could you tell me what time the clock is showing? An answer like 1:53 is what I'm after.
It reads 11:32
